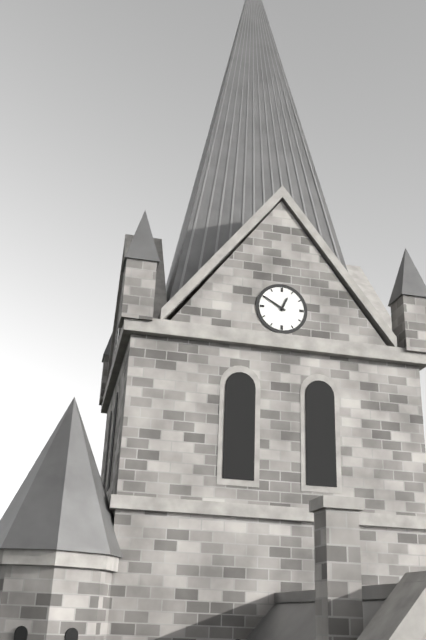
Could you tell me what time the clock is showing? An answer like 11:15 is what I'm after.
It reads 12:50
